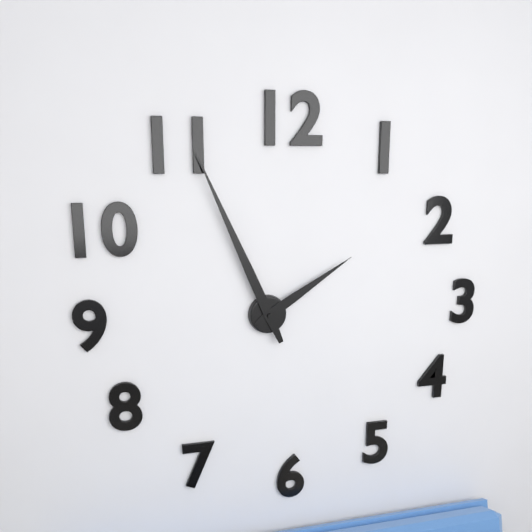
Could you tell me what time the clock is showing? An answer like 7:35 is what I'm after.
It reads 1:56
